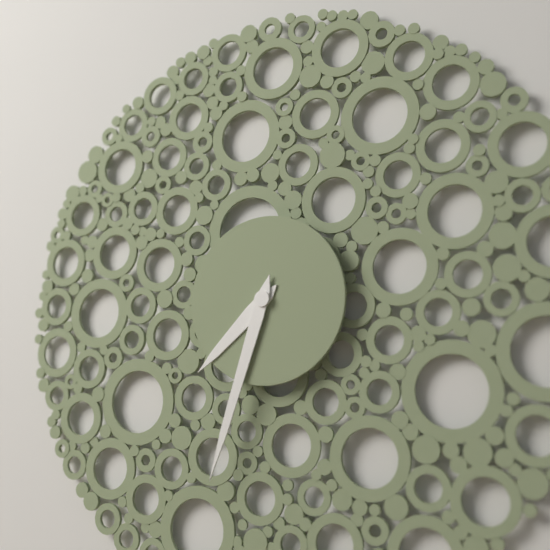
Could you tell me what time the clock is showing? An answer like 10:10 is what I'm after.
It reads 7:33
